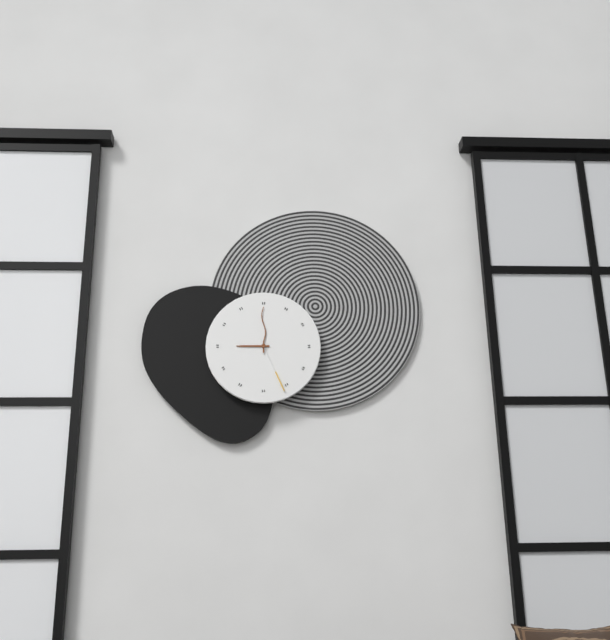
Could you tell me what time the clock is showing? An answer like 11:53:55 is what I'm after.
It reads 9:00:26
